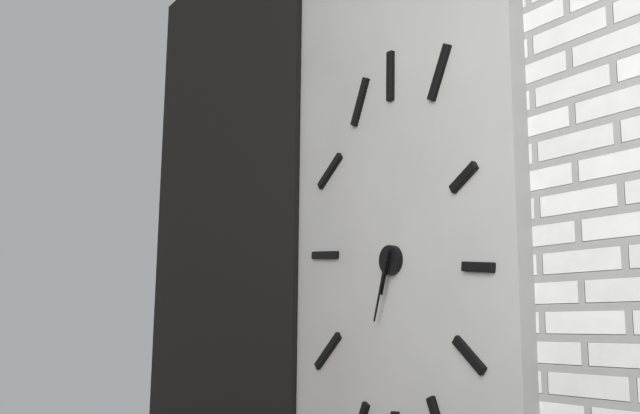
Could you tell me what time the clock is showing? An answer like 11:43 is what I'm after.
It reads 6:33
